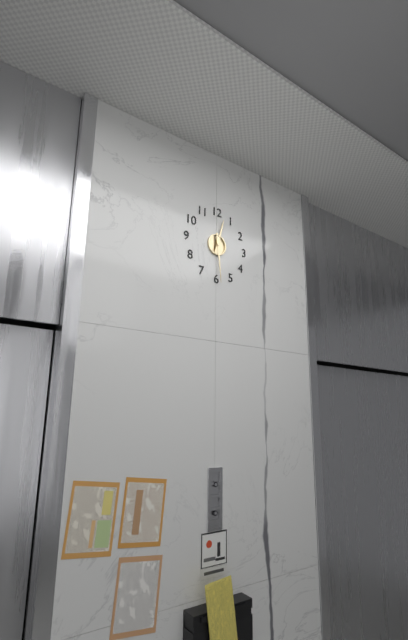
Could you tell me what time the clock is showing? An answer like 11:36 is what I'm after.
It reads 12:29
